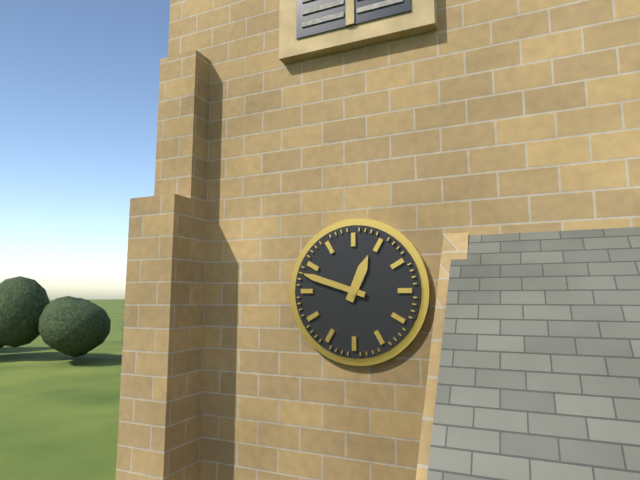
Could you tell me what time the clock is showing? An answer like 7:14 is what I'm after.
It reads 12:48
